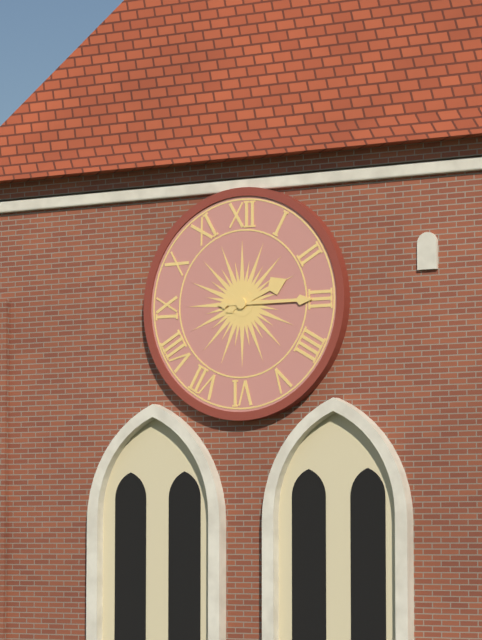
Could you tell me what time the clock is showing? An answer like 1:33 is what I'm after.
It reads 2:15
